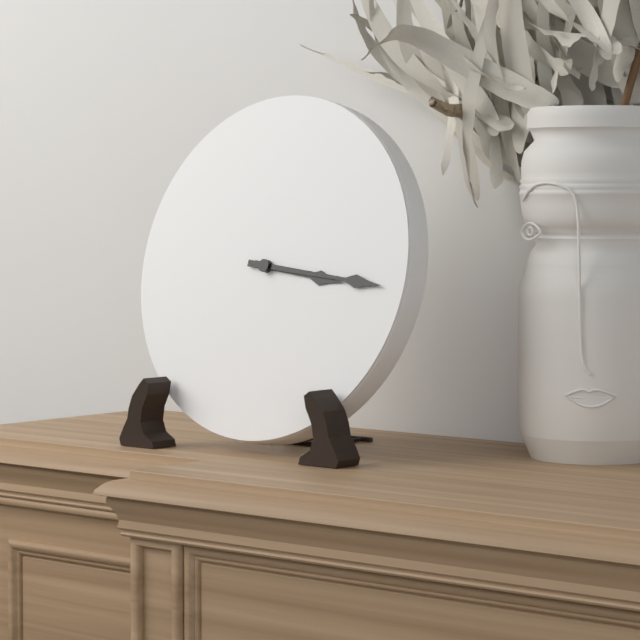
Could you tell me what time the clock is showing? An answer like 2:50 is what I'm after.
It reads 3:16
